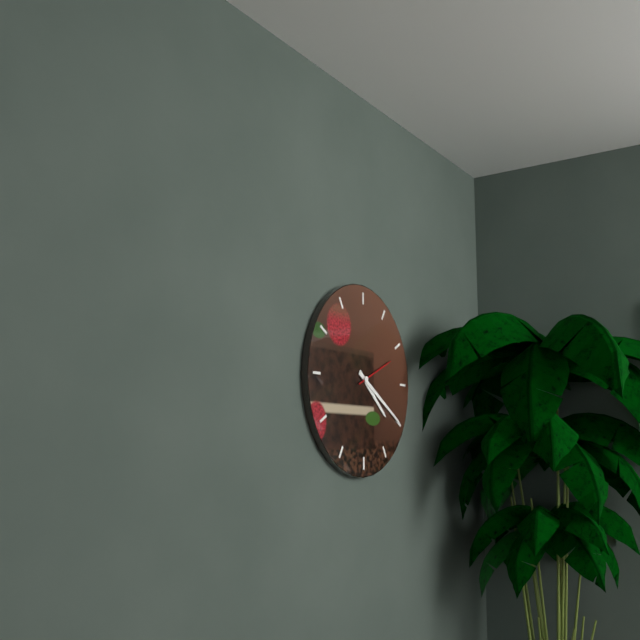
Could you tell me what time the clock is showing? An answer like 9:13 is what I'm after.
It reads 4:20
